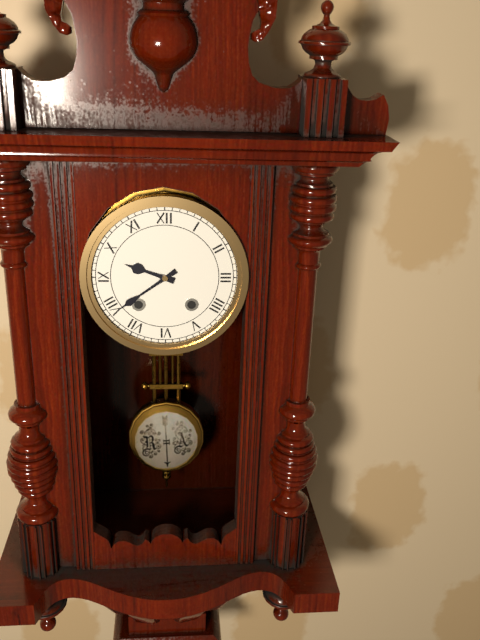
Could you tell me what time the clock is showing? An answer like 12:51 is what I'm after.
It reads 9:39
